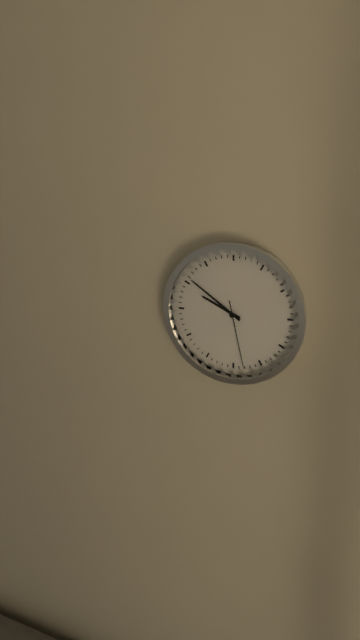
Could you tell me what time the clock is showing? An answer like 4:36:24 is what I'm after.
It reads 9:51:28
